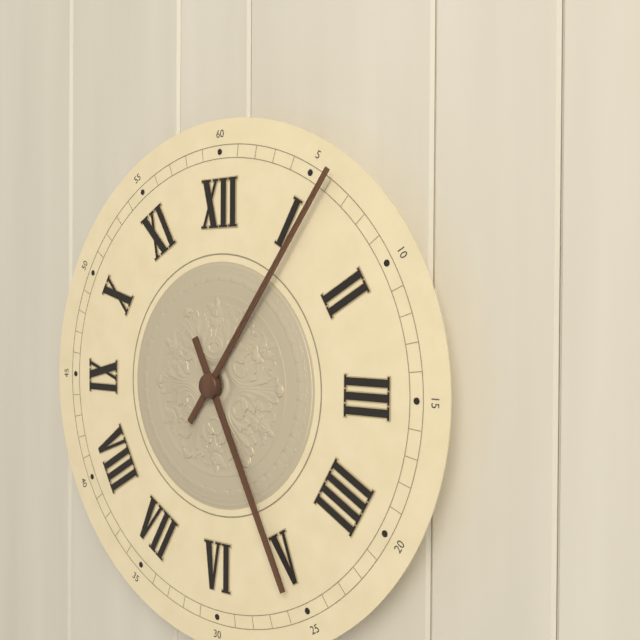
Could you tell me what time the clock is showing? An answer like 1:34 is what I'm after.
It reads 5:06
